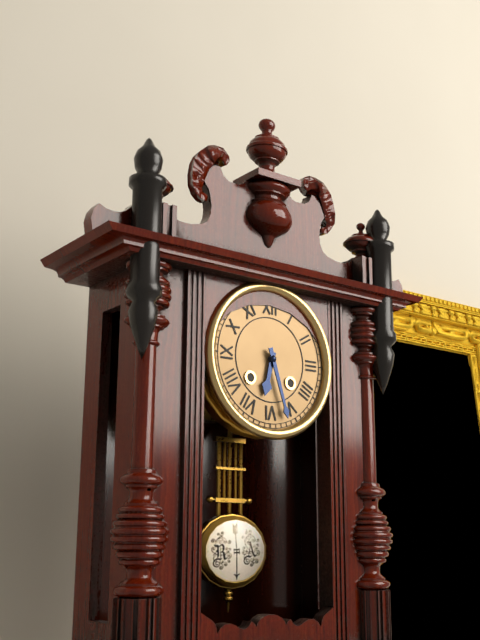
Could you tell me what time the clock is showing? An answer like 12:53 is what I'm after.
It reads 6:27
